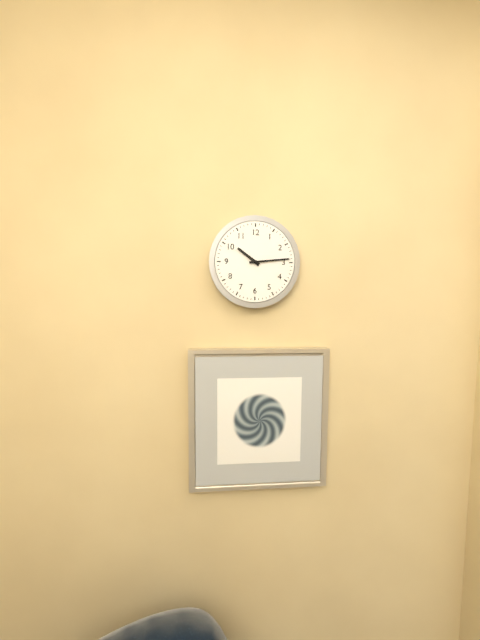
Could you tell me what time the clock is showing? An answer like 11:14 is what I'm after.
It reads 10:14
